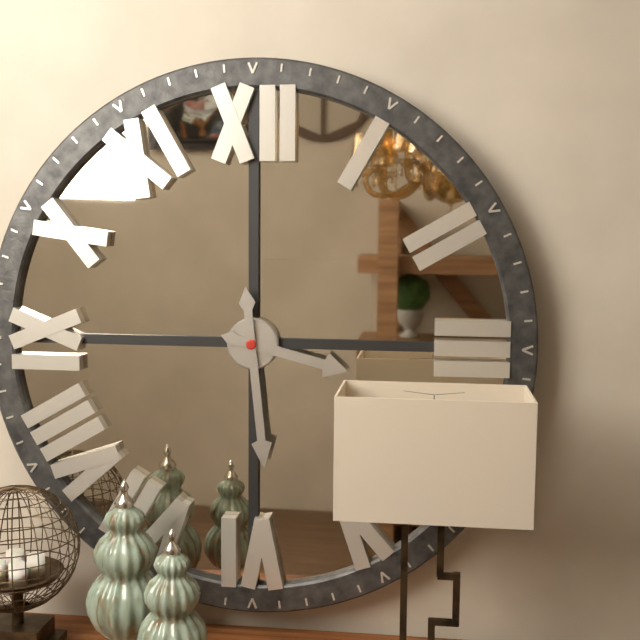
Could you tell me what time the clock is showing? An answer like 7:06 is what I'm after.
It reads 3:29
